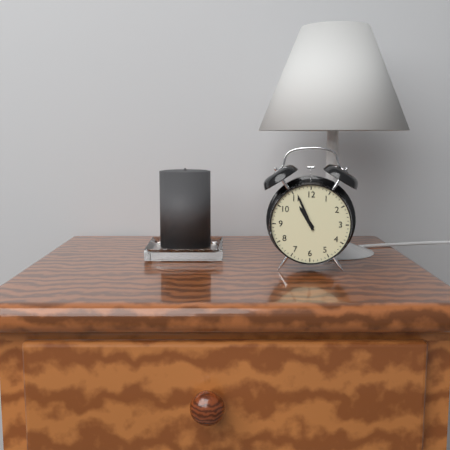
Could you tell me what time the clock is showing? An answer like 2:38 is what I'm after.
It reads 10:56
